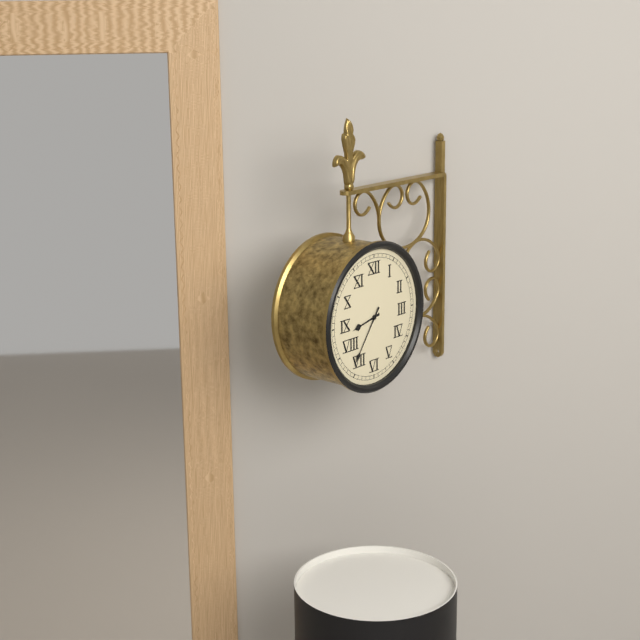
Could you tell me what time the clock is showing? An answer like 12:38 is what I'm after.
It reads 8:36
